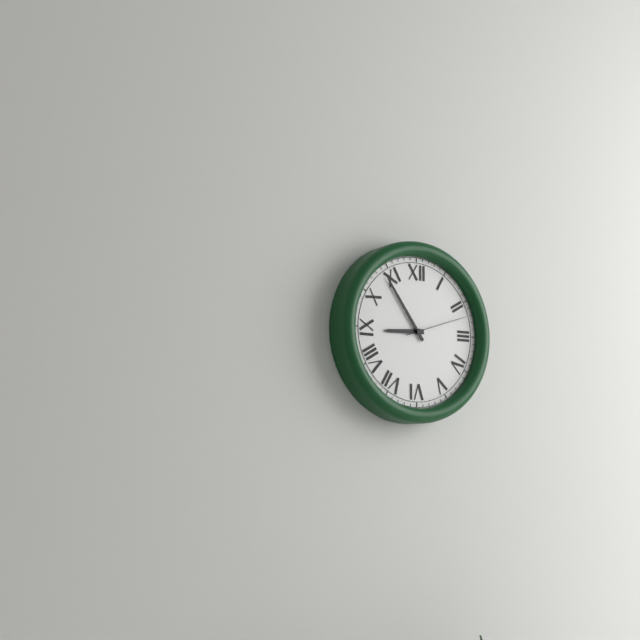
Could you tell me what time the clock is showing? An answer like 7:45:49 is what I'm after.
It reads 8:54:12
